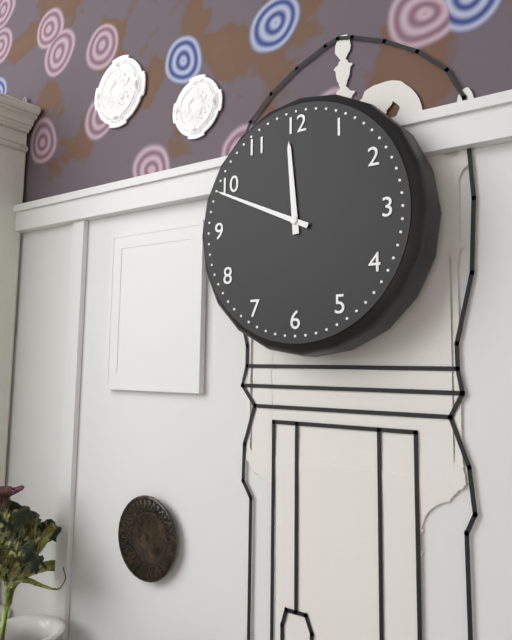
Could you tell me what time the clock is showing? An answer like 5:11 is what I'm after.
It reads 11:49
